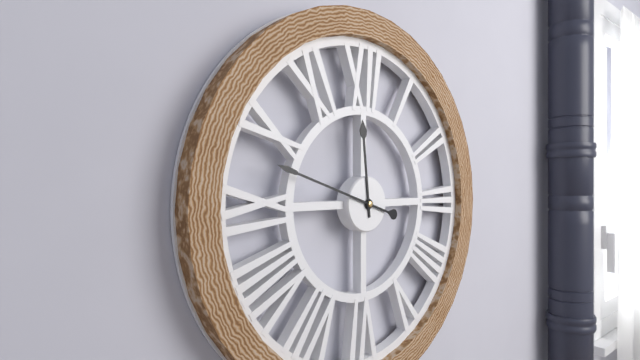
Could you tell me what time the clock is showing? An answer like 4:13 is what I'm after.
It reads 11:48
